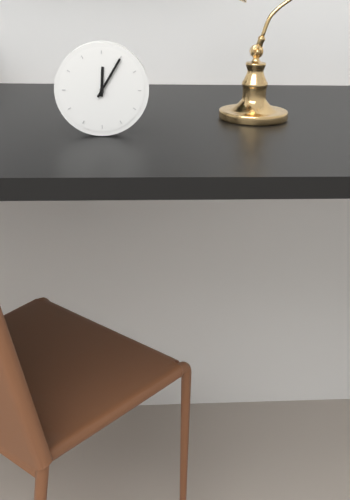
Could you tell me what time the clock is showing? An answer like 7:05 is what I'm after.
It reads 12:05
